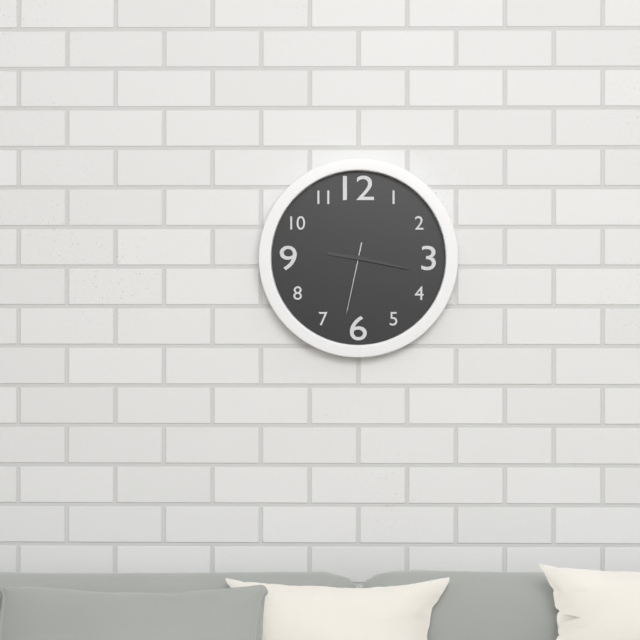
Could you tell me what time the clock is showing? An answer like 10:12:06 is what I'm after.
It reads 9:17:32
